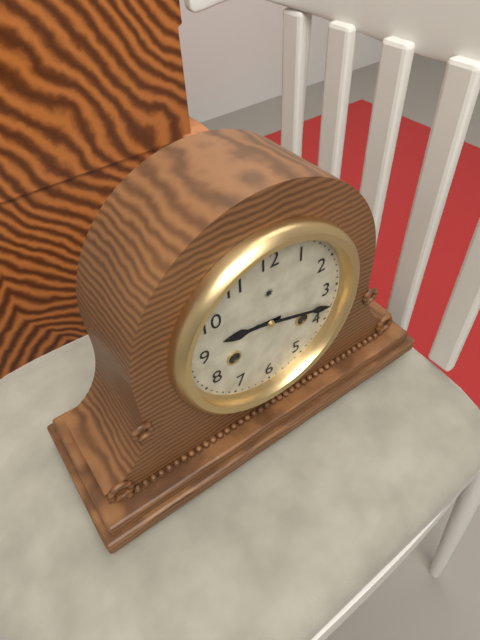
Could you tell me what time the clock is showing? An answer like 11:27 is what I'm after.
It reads 9:18
